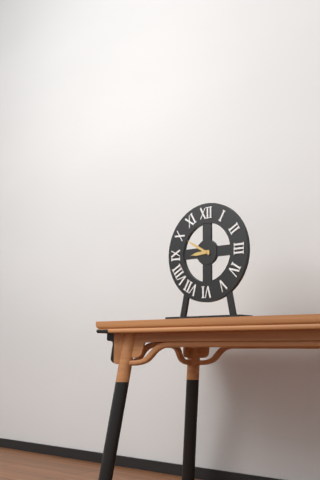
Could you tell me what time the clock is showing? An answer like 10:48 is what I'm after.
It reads 8:50
